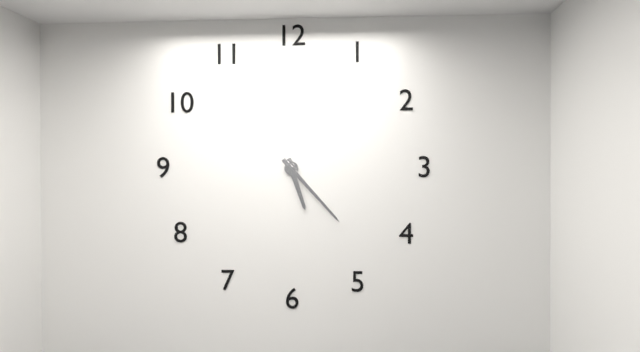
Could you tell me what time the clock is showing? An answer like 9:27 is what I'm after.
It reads 5:23
